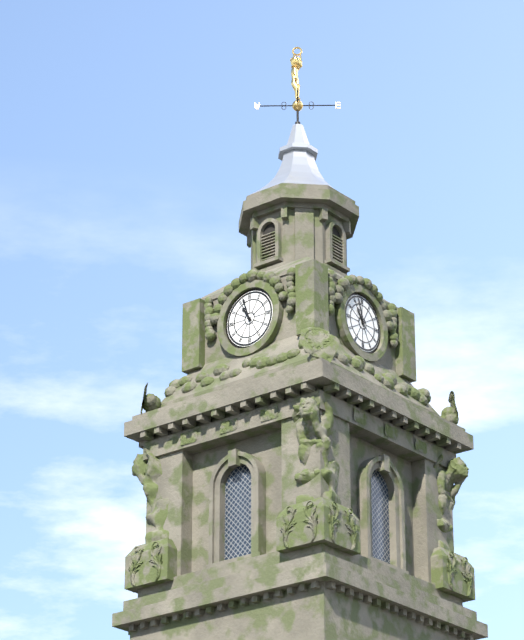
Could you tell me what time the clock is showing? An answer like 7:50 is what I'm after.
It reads 10:57
